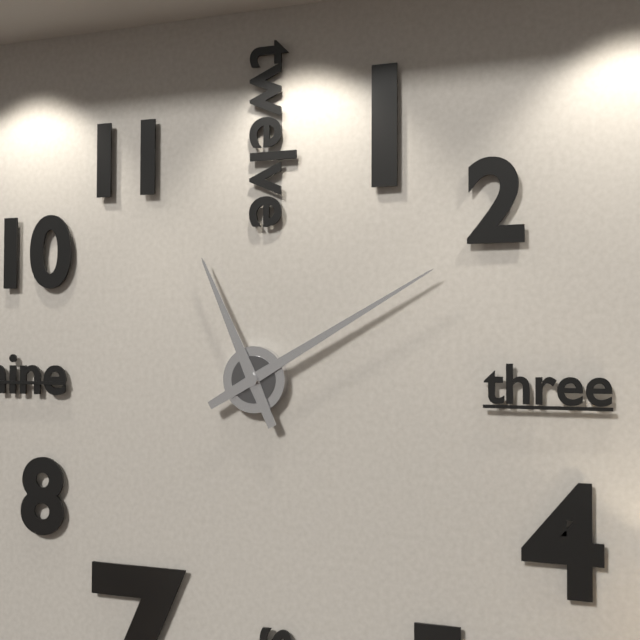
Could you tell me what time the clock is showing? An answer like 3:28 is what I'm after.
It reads 11:10
